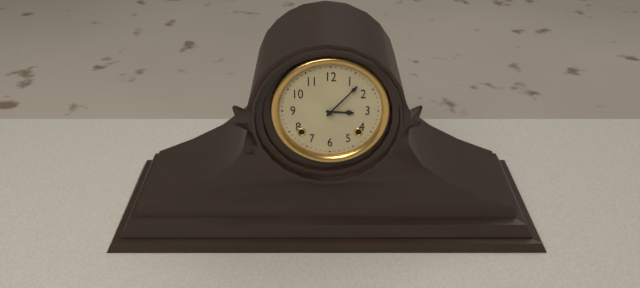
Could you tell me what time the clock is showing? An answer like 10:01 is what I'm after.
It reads 3:07
